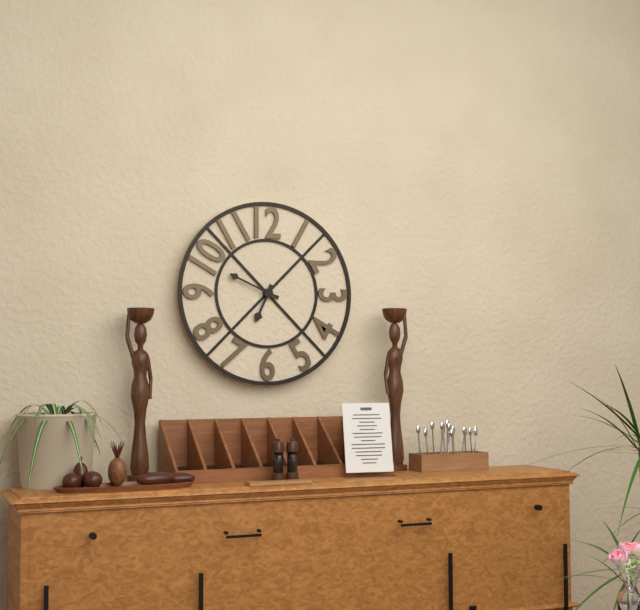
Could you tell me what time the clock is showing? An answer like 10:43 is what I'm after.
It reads 6:49
